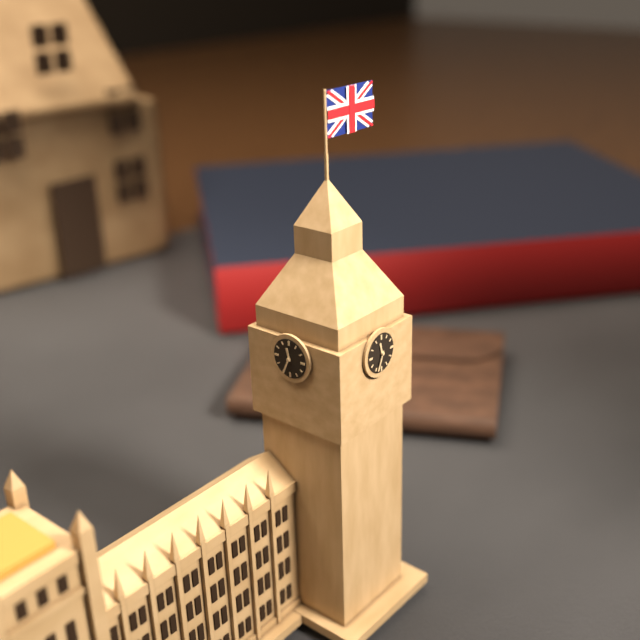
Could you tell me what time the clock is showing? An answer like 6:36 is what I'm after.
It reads 11:34
